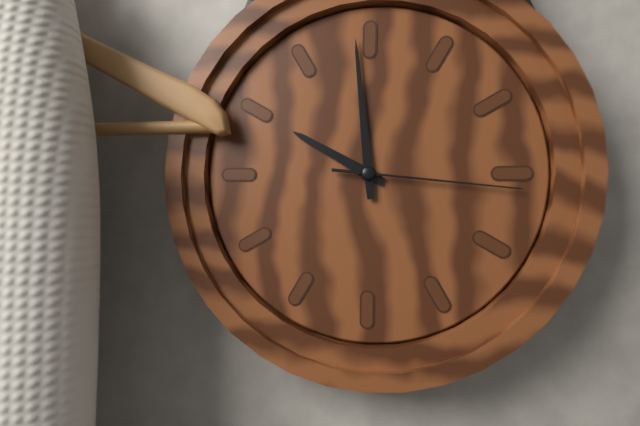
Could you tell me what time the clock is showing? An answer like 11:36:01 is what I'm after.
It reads 9:59:16
